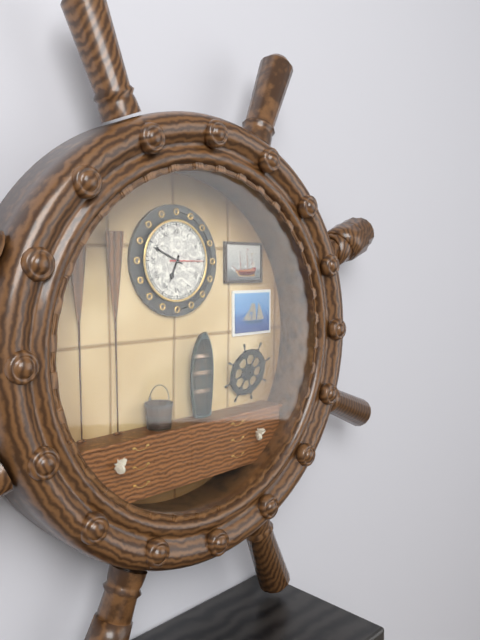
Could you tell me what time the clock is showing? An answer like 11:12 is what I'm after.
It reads 6:49
